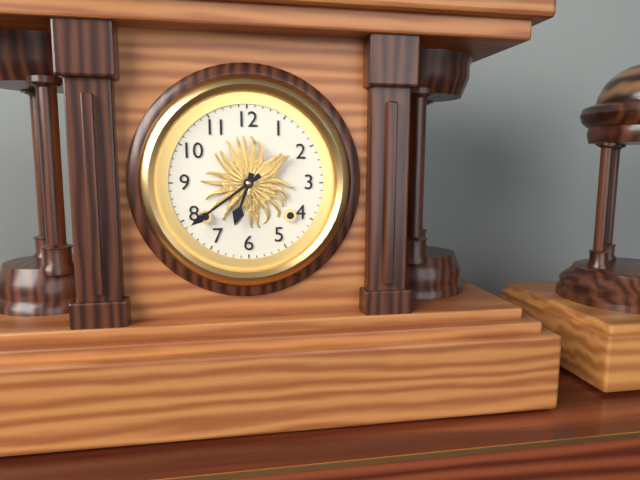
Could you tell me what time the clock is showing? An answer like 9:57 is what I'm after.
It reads 6:39
